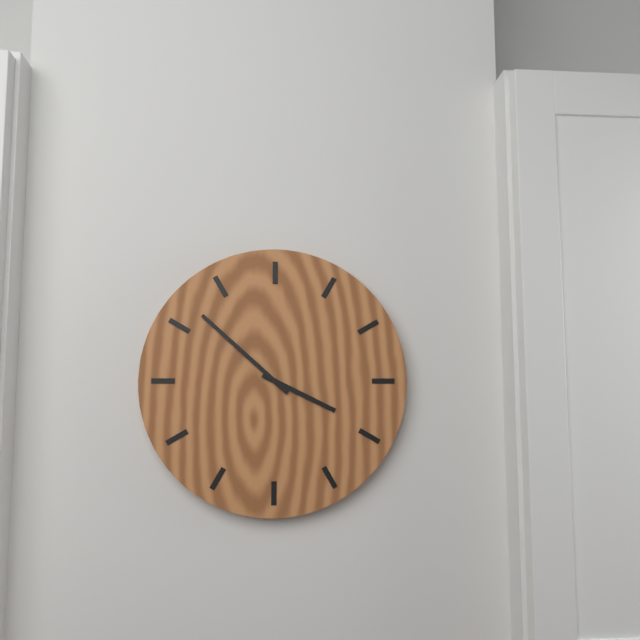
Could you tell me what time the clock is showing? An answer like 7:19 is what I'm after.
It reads 3:52
